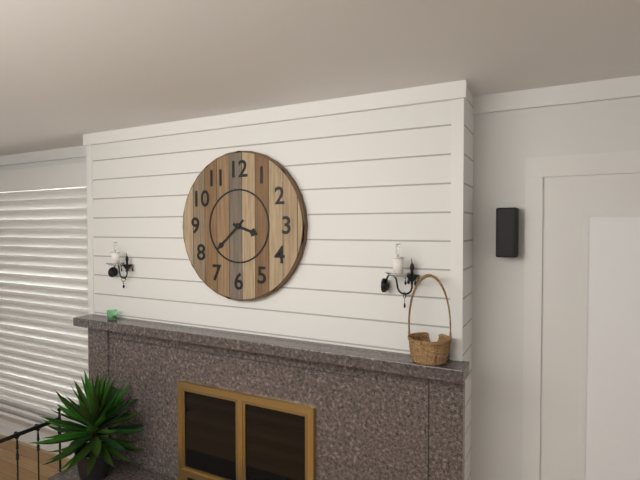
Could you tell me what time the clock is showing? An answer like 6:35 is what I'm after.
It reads 3:38
